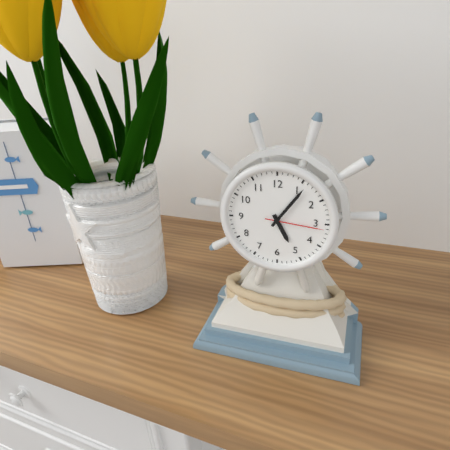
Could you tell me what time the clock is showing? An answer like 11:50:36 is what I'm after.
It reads 5:06:16
